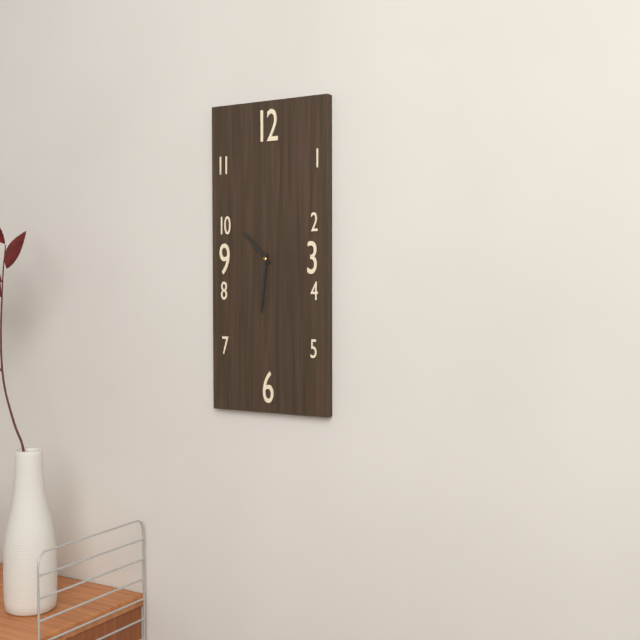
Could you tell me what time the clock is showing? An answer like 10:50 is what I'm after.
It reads 10:31
